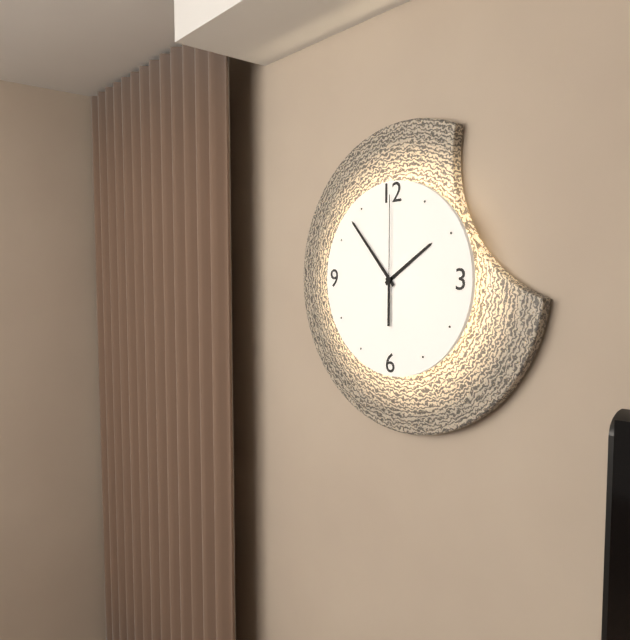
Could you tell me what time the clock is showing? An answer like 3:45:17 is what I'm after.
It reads 1:53:00
